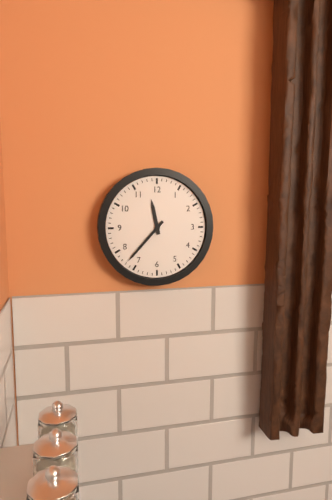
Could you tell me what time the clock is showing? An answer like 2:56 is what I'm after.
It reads 11:37
